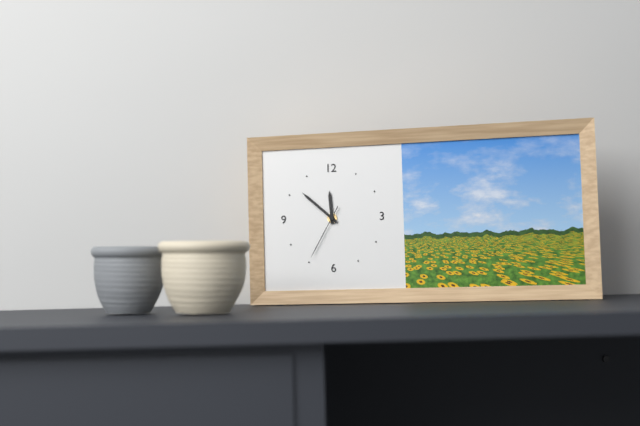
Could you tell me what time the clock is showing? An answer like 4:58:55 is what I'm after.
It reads 11:52:35
